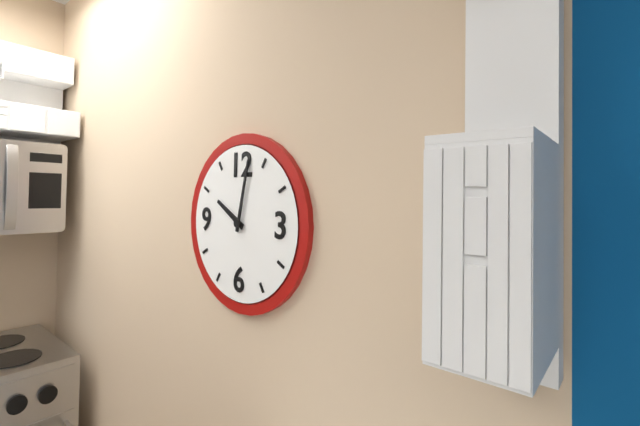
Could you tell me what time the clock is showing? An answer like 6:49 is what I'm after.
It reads 10:02
